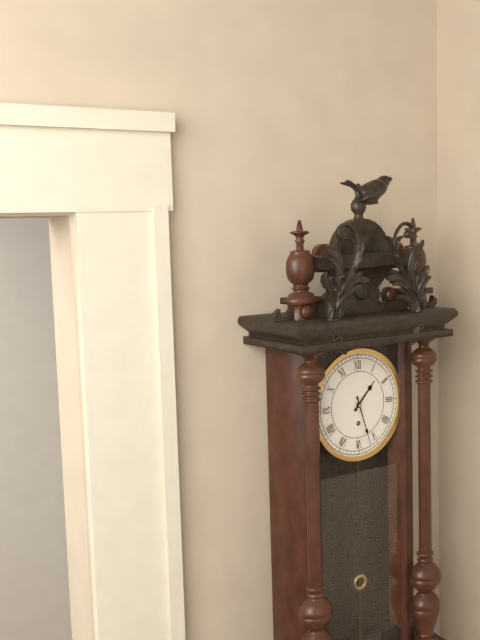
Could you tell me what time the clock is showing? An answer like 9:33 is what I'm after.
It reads 1:27
